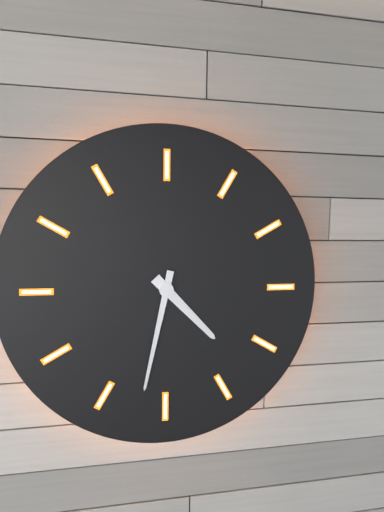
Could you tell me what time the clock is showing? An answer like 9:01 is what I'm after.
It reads 4:32
